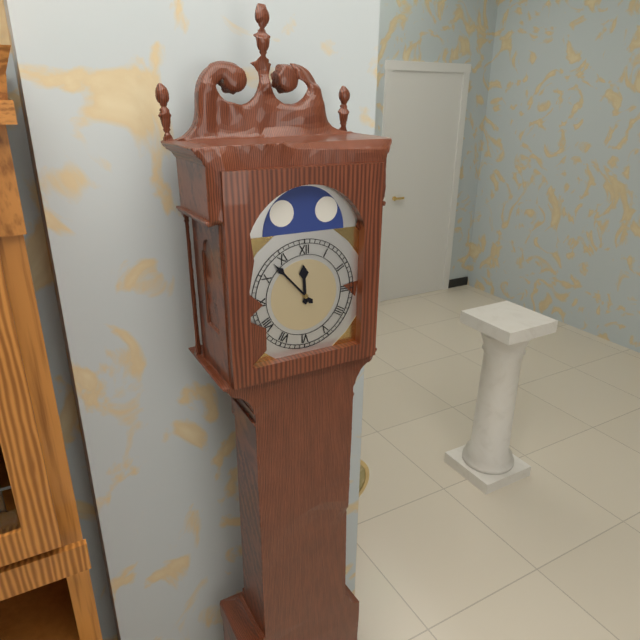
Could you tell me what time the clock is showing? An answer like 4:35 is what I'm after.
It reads 11:53
